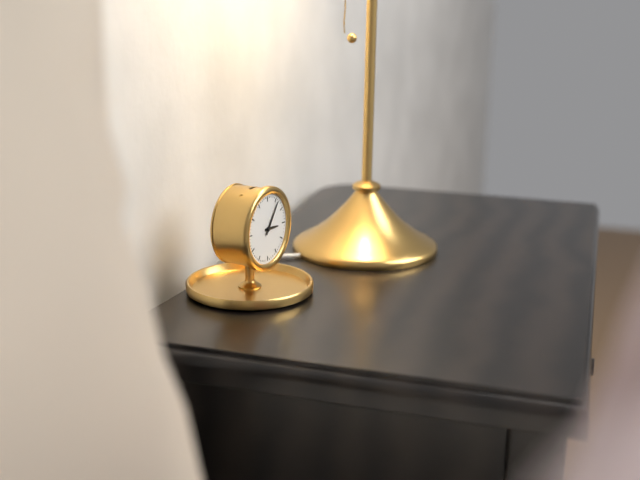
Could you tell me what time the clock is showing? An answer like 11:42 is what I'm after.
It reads 3:06
